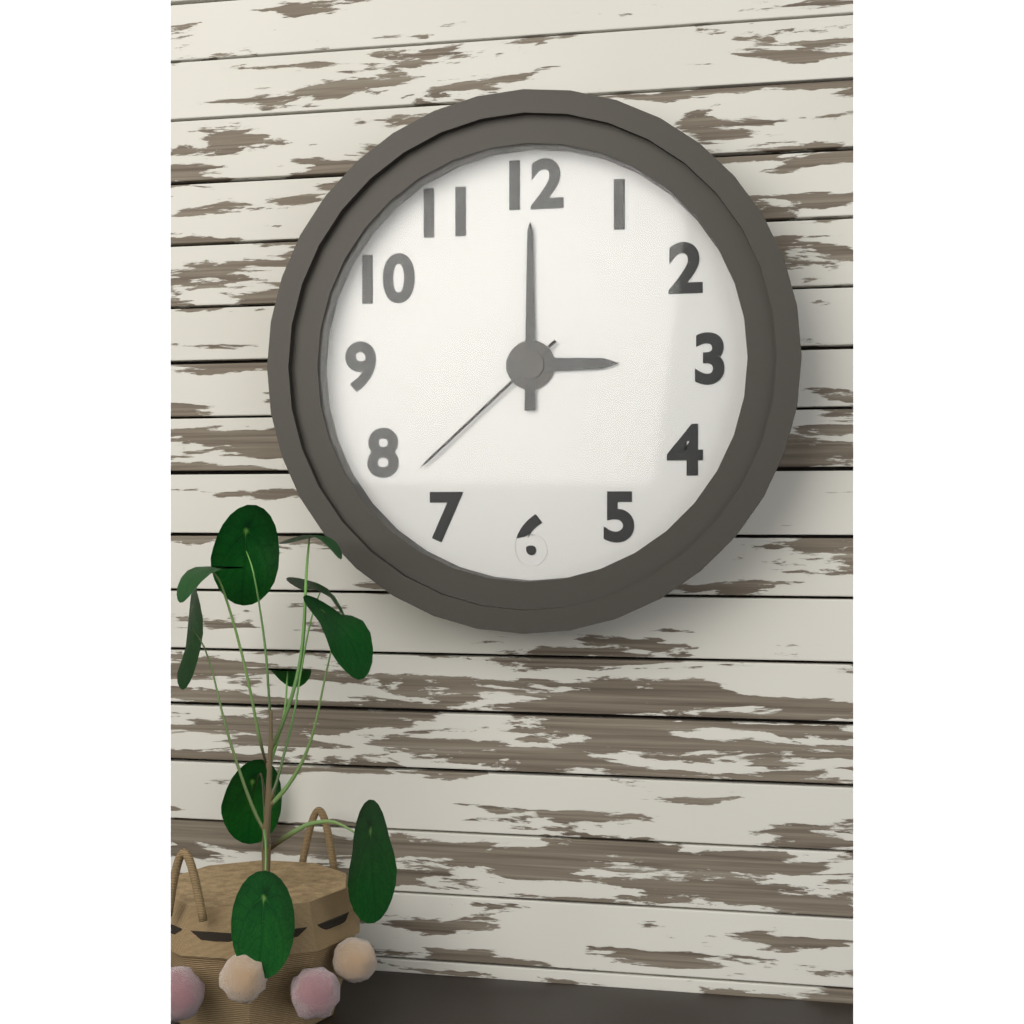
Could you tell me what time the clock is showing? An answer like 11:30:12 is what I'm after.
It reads 3:00:38
